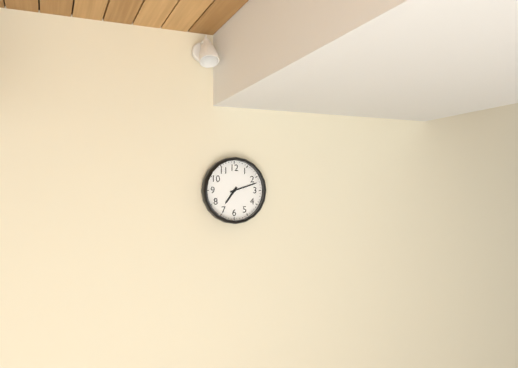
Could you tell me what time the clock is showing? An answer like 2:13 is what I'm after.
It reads 7:12
